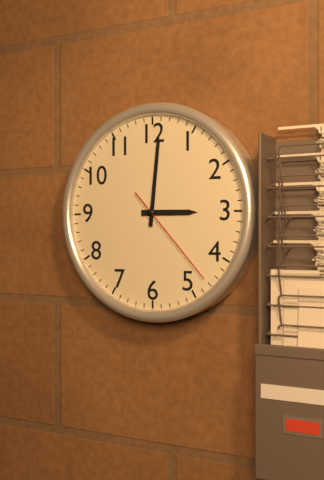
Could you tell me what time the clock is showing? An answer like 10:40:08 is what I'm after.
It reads 3:01:23
